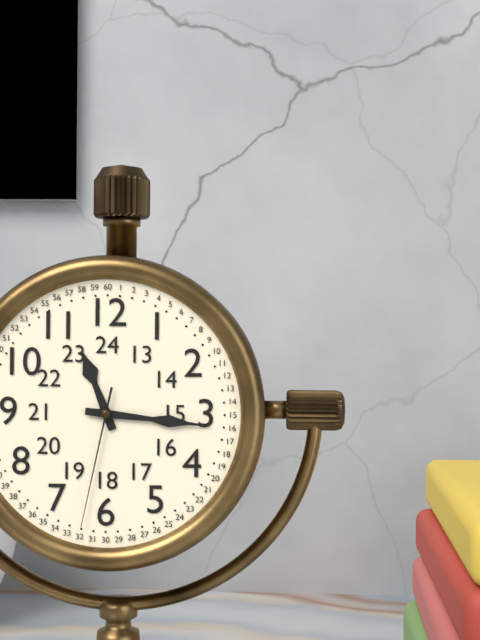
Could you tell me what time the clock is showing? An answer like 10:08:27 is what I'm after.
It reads 11:16:32
